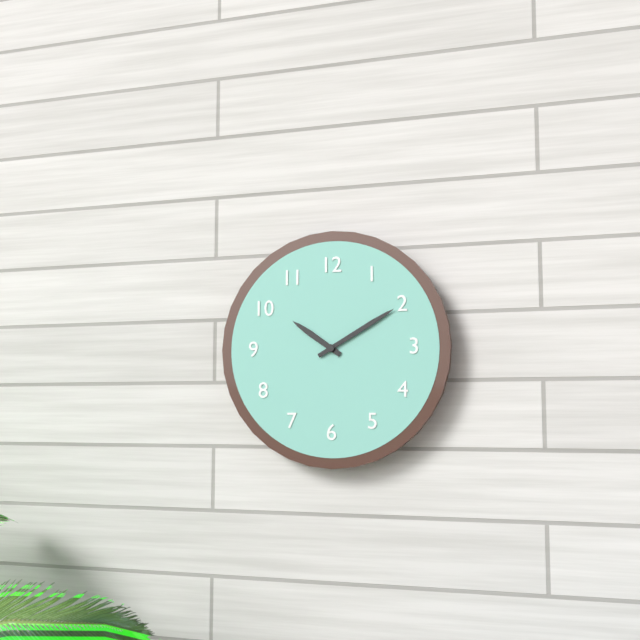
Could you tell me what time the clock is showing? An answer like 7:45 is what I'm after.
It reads 10:10
